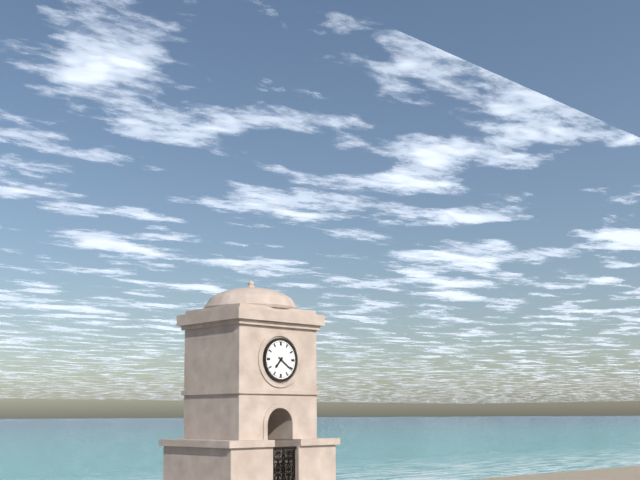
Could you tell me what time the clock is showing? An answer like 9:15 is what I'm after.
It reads 7:21
